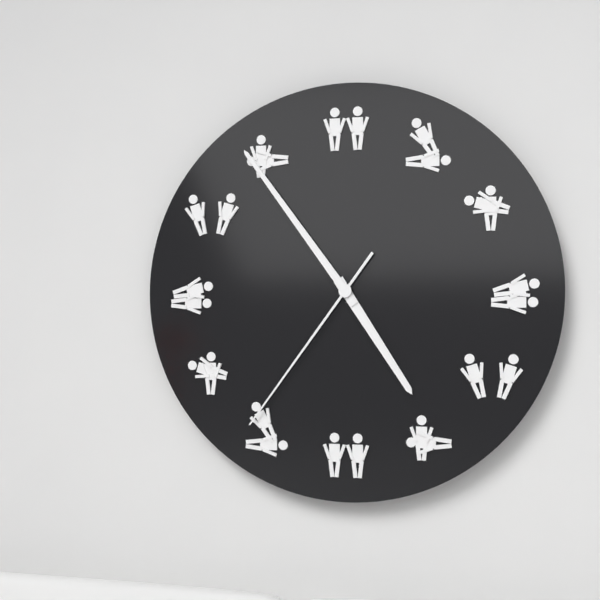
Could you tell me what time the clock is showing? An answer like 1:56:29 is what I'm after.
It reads 4:54:36
